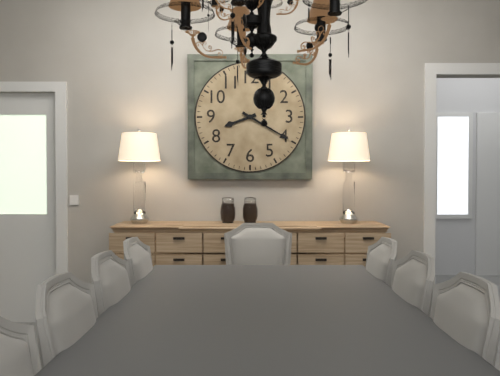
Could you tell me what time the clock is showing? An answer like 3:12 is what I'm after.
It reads 8:20
